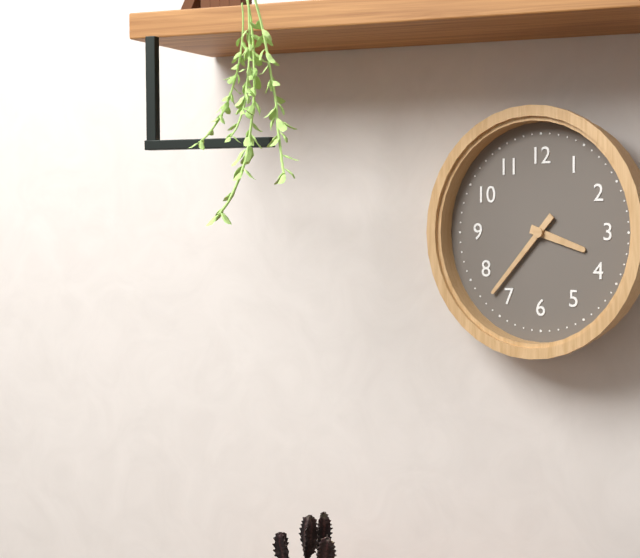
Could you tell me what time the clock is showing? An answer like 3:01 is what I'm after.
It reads 3:37
